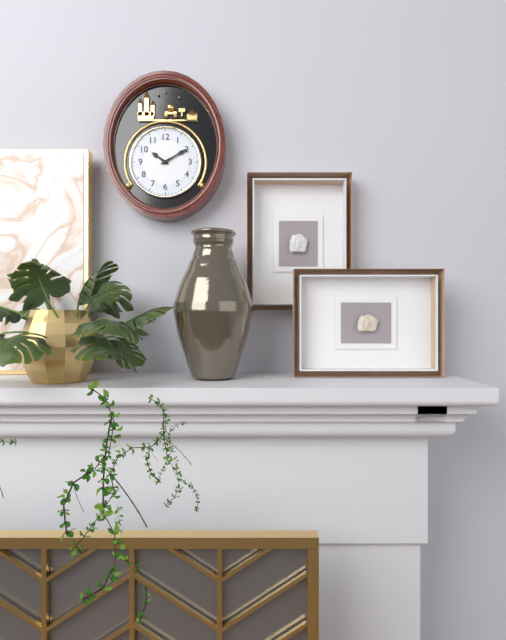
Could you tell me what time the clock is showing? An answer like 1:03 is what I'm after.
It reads 10:10
